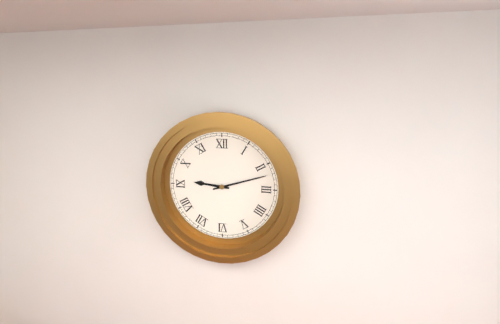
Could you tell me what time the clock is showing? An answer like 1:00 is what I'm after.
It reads 9:12
